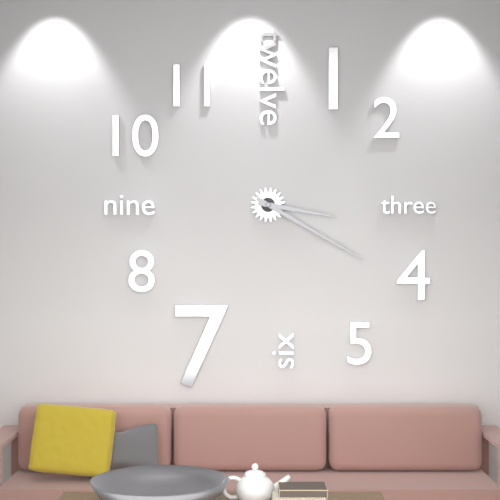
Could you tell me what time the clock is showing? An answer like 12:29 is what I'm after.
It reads 3:20
